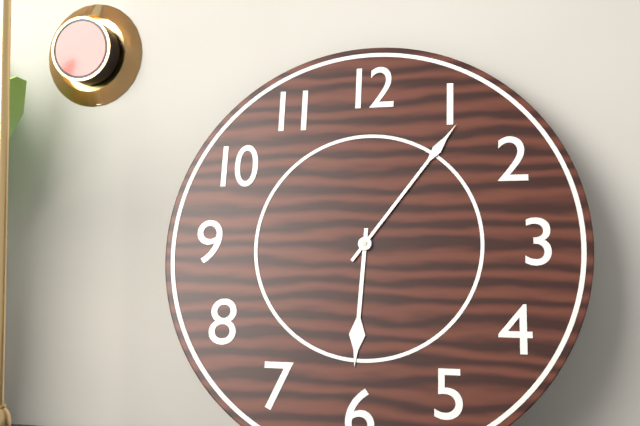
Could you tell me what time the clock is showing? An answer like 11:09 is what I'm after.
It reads 6:06
